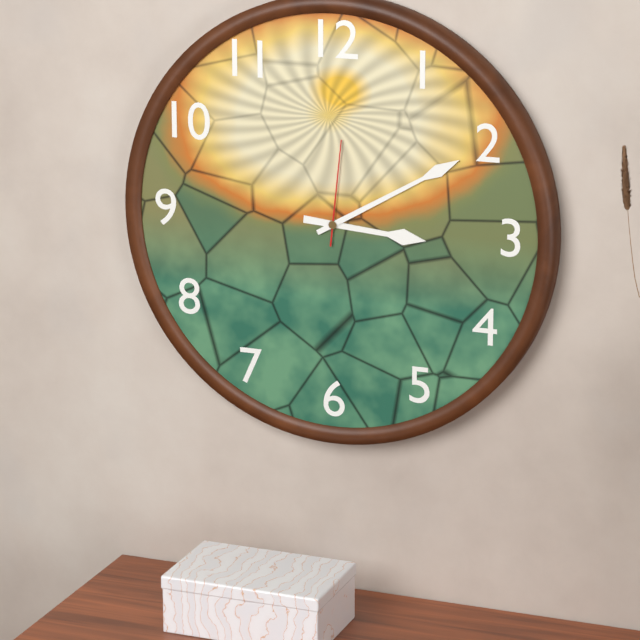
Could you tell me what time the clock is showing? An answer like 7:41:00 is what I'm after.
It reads 3:10:01
